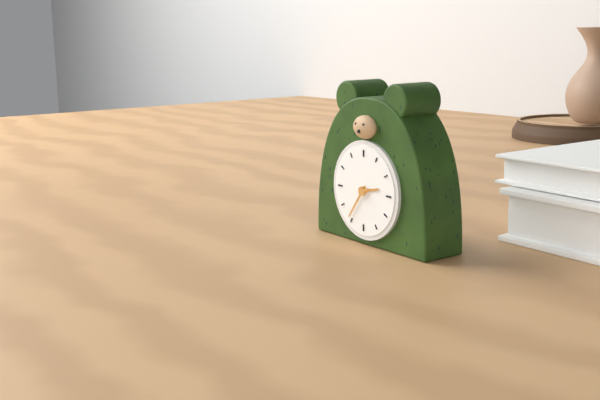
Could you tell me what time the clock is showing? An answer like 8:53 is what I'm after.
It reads 2:36
